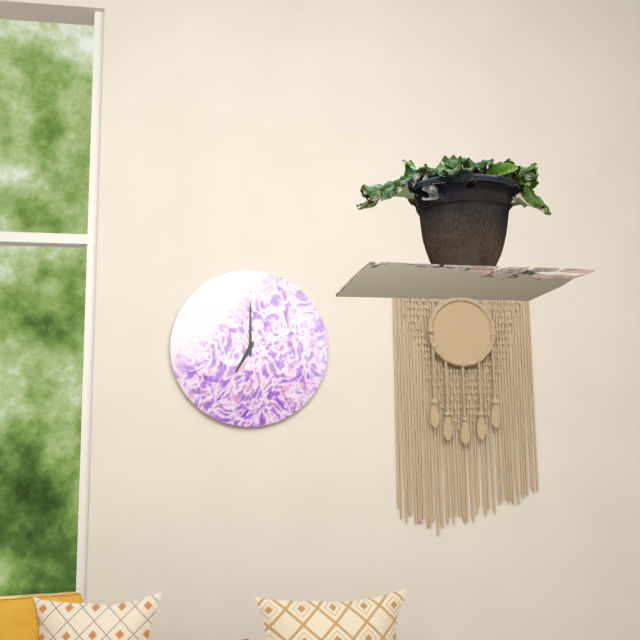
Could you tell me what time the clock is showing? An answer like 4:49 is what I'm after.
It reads 7:00
